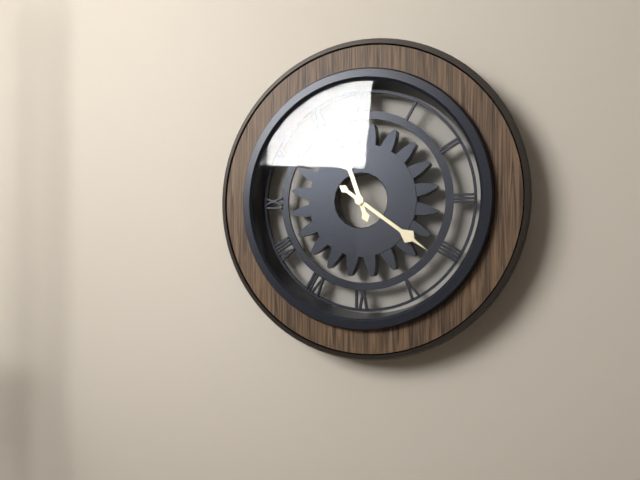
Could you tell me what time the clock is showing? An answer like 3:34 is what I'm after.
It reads 11:21
